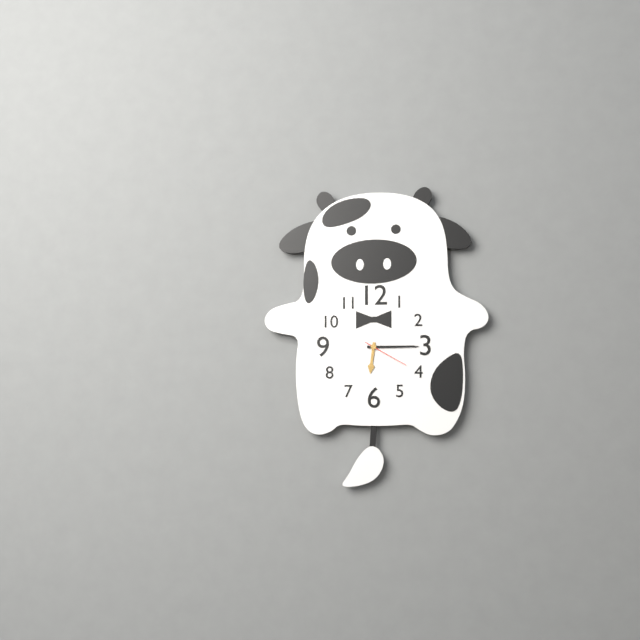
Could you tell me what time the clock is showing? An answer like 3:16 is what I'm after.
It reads 6:15
